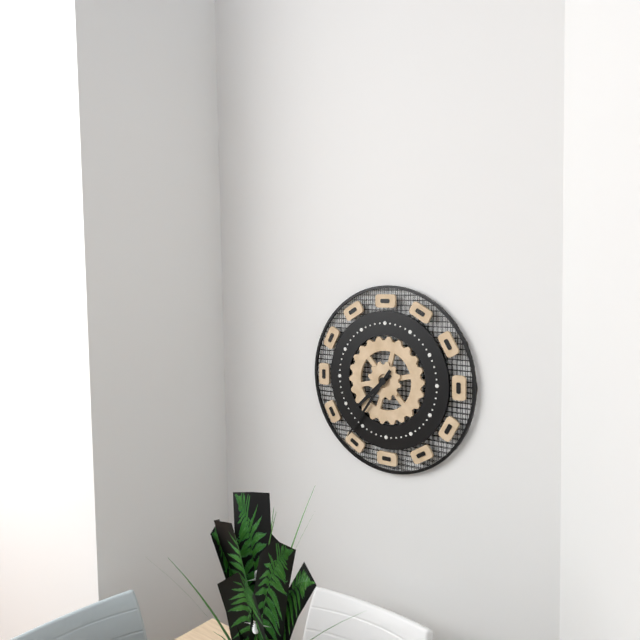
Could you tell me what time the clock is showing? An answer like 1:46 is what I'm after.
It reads 7:36
